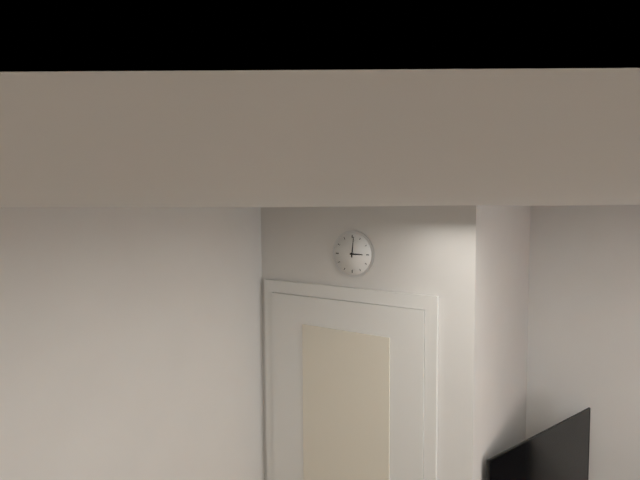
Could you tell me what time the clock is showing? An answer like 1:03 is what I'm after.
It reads 3:01
